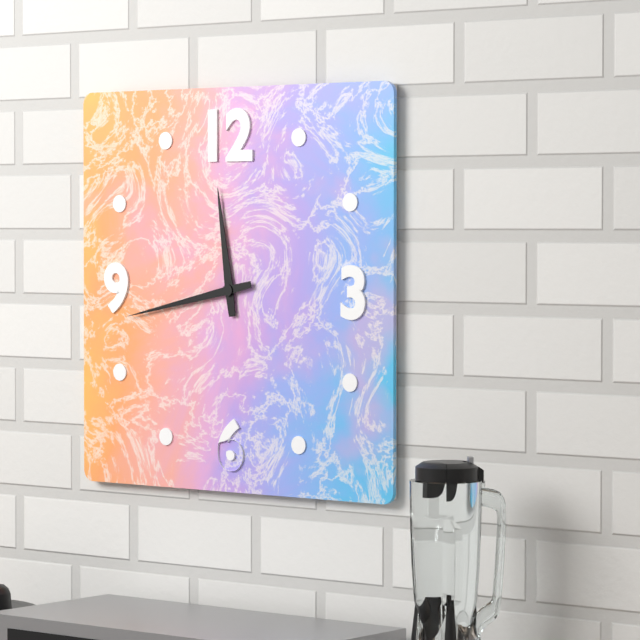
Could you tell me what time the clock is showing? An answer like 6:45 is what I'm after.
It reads 11:43
